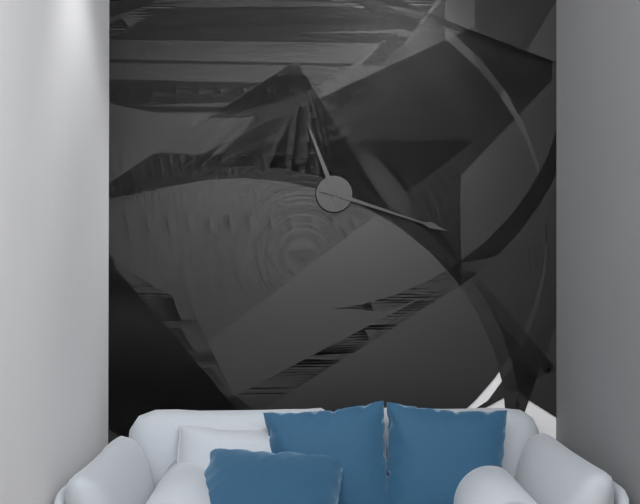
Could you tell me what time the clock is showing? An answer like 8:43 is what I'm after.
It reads 11:18
